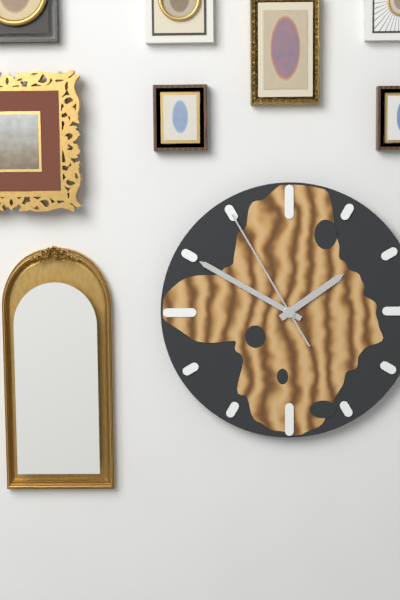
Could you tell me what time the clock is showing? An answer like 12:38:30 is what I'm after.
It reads 1:50:55
